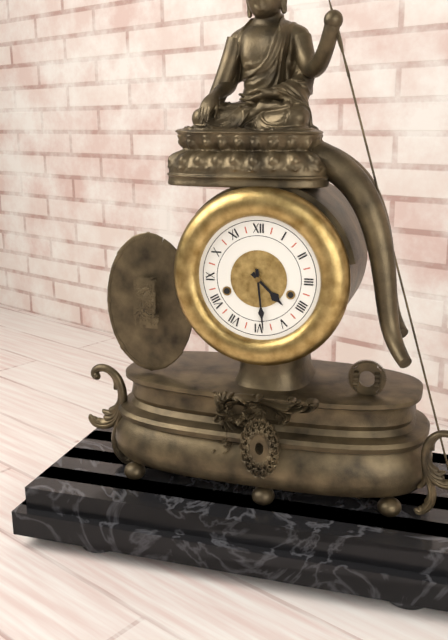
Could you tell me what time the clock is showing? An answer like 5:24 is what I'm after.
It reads 4:29
